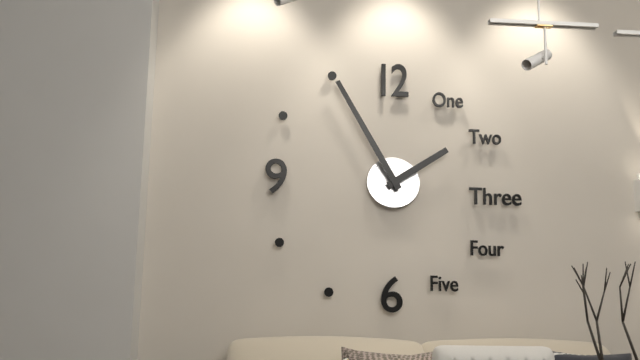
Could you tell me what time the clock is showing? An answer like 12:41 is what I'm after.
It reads 1:55
